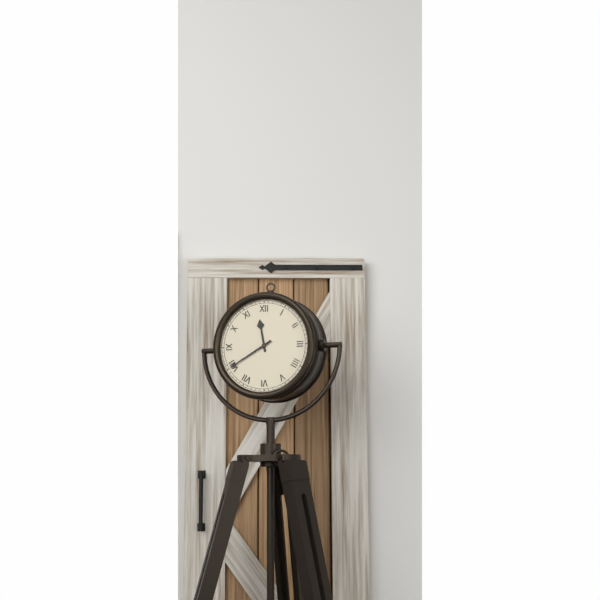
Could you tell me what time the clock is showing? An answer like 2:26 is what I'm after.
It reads 11:40
